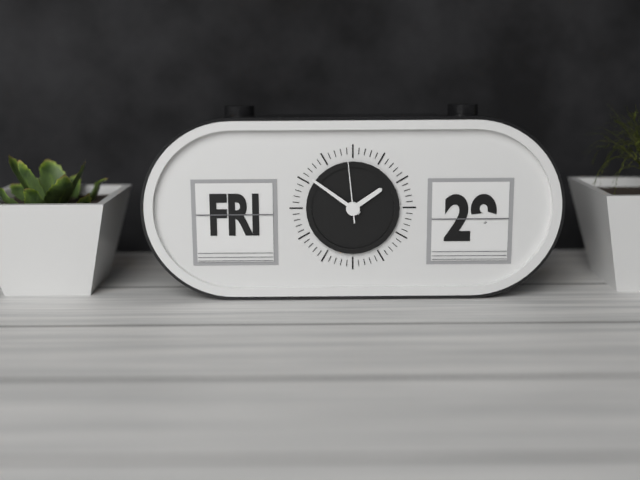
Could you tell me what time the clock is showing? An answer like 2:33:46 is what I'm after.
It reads 1:51:59
